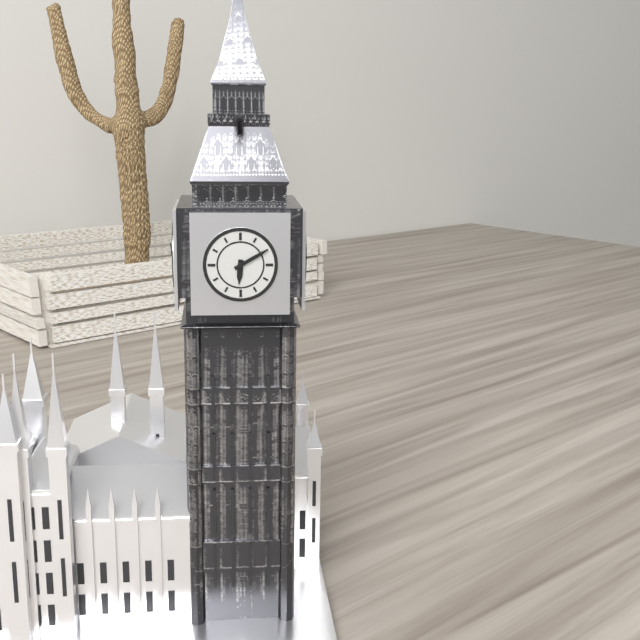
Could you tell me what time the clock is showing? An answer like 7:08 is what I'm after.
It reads 6:10
